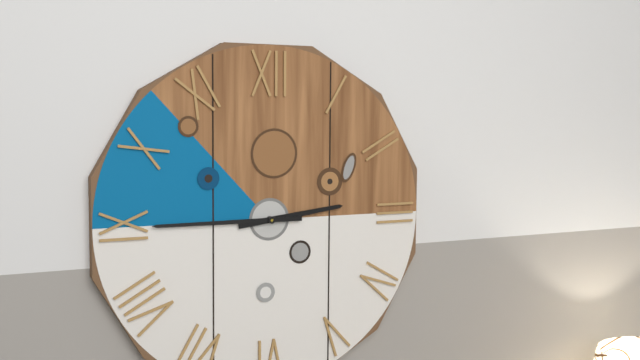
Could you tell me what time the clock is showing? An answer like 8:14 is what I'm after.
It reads 2:45
